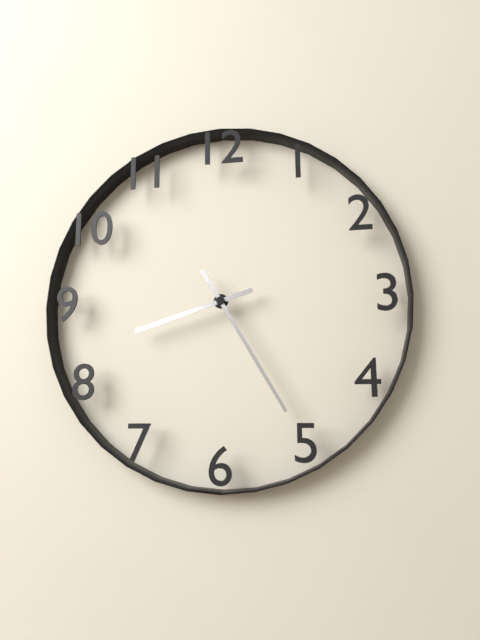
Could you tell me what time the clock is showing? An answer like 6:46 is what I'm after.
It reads 8:25
